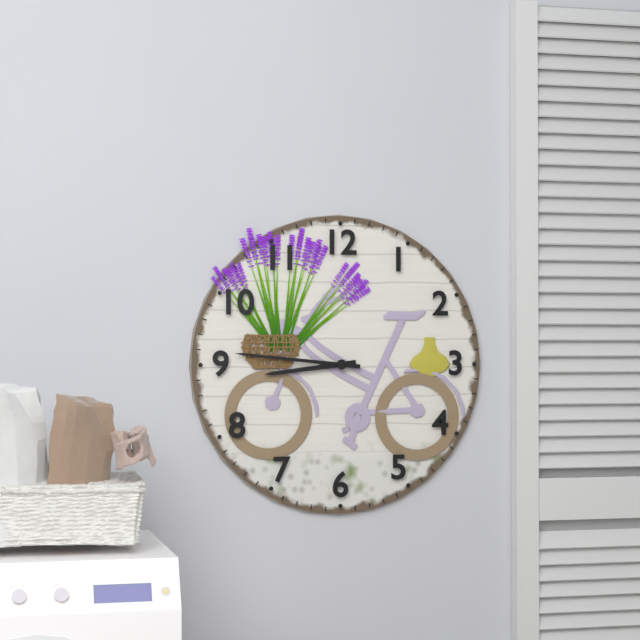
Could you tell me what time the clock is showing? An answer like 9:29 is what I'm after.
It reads 8:46
